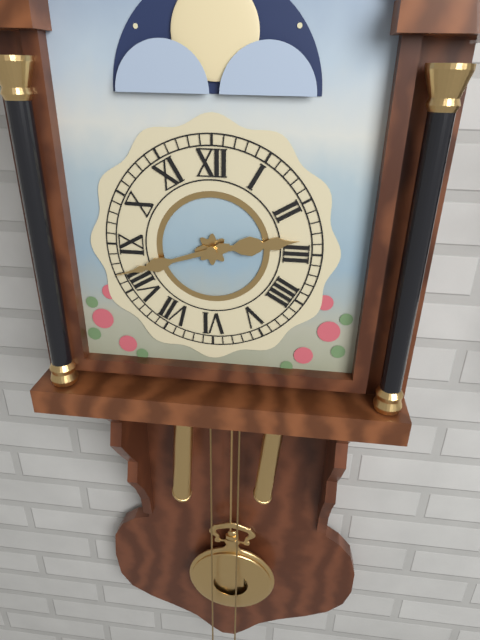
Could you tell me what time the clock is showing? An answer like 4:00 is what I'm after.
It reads 2:42
